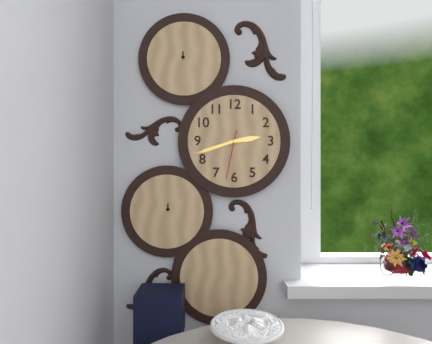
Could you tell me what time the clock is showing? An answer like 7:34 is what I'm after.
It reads 2:42
